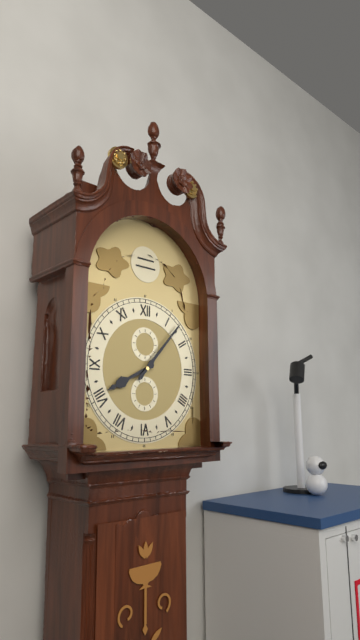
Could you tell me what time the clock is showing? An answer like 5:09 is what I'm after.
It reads 8:07
